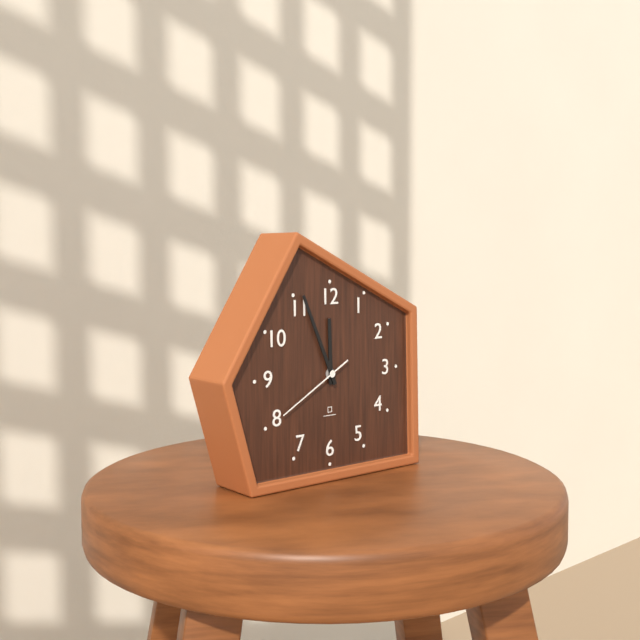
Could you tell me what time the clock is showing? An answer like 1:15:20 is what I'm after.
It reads 11:56:40
